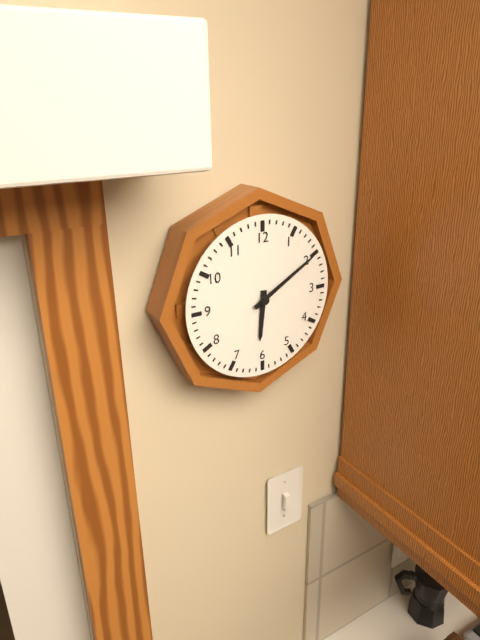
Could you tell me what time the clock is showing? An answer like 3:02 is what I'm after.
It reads 6:10
